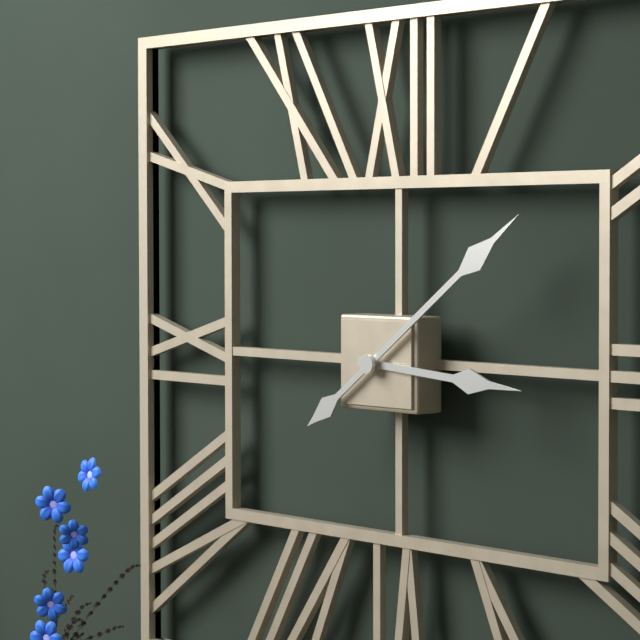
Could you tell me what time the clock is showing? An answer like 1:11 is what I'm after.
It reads 3:09
